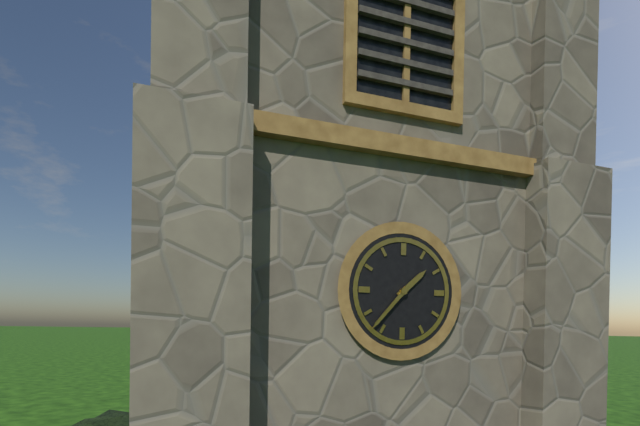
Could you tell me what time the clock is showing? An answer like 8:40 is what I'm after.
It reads 1:37
